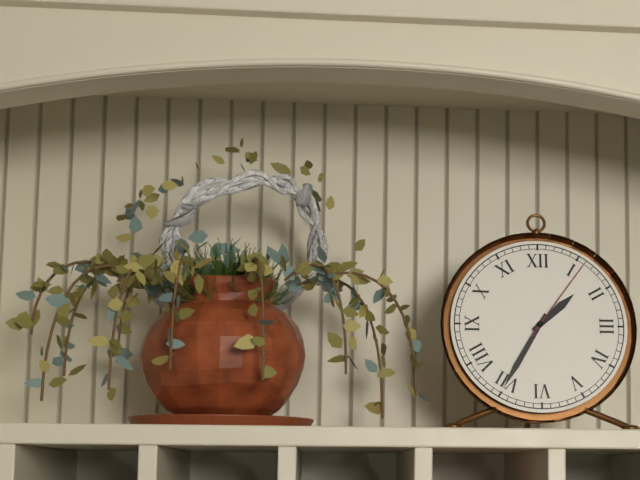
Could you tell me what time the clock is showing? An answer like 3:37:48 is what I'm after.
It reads 1:35:06
